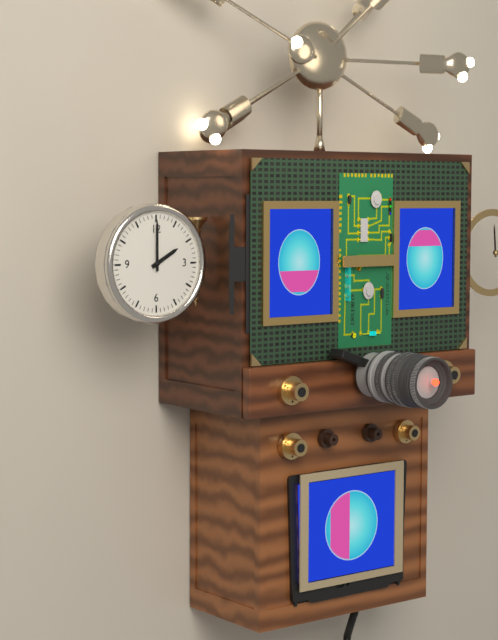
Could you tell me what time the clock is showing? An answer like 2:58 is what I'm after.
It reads 2:00
